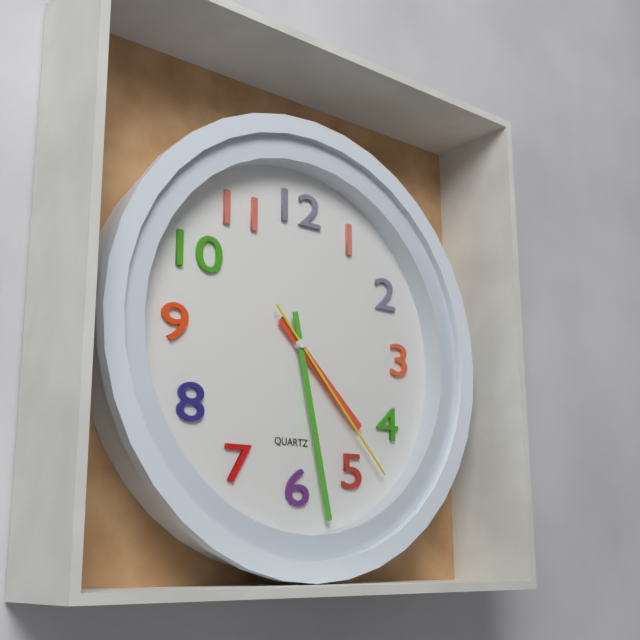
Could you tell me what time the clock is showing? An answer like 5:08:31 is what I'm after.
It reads 4:28:23
